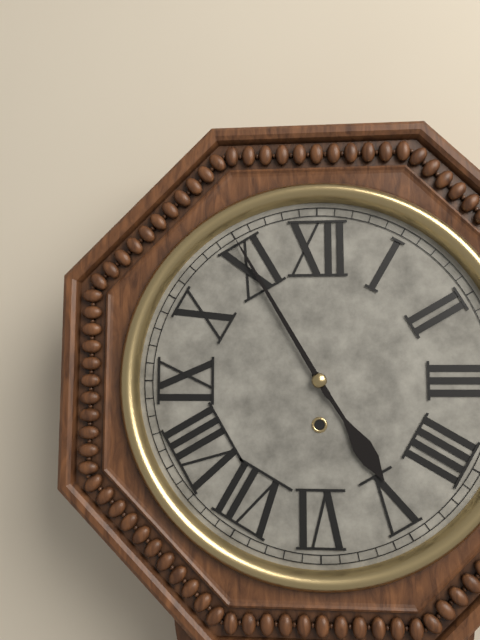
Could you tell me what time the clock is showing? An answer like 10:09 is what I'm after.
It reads 4:55
